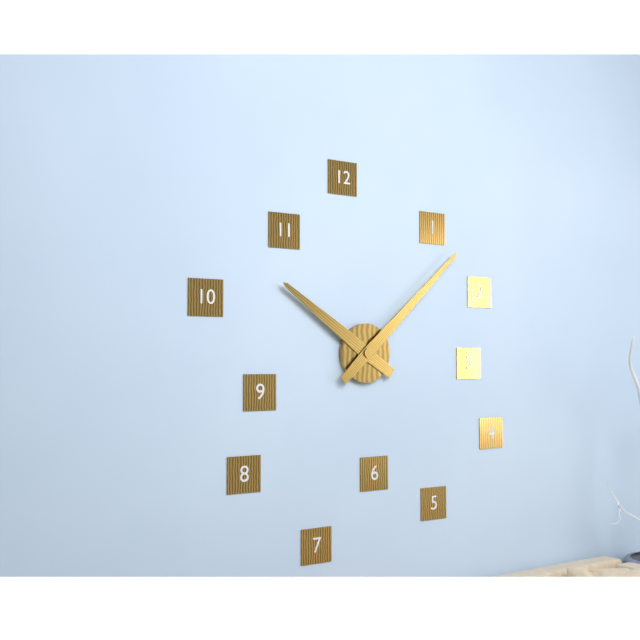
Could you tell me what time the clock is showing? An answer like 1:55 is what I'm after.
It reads 10:08
